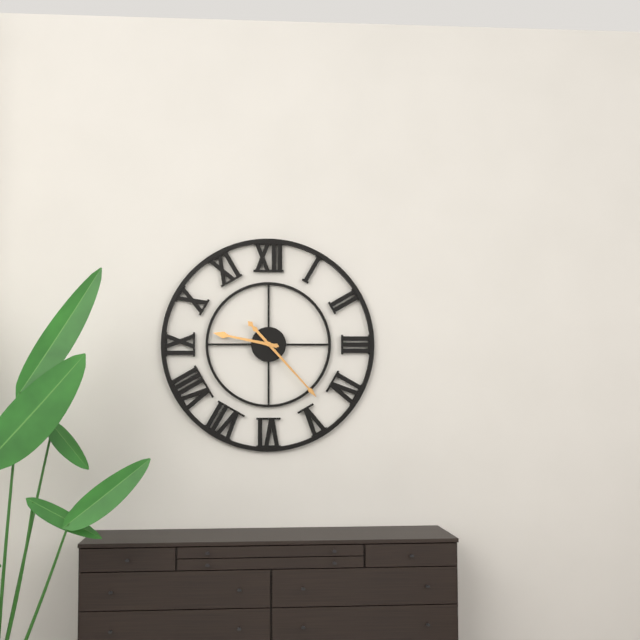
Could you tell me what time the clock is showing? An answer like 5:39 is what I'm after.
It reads 9:23
